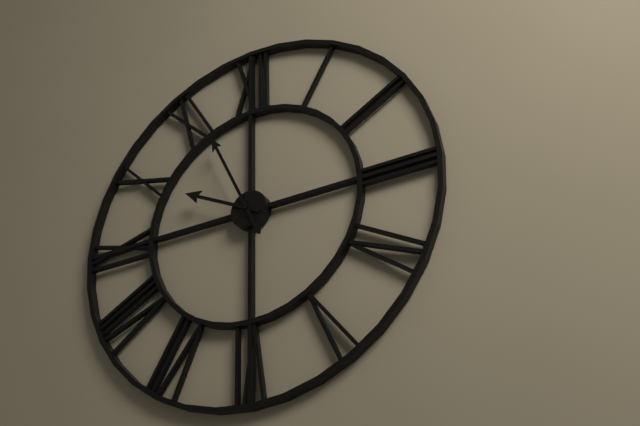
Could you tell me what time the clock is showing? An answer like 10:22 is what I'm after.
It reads 9:56
